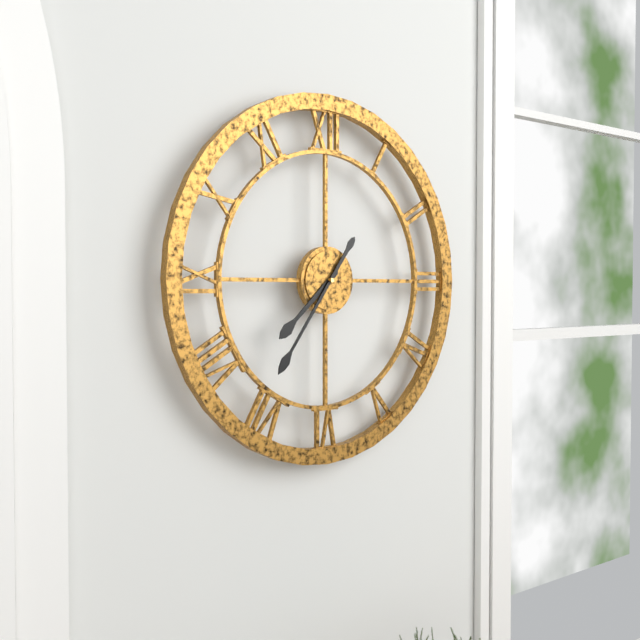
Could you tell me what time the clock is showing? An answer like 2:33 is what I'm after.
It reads 7:36
